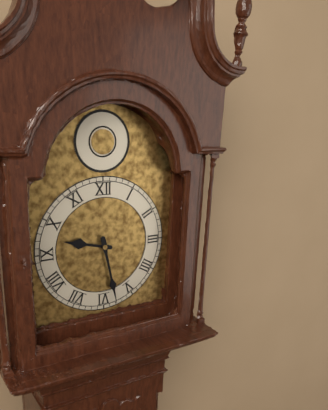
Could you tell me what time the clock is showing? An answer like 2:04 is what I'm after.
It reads 9:28
